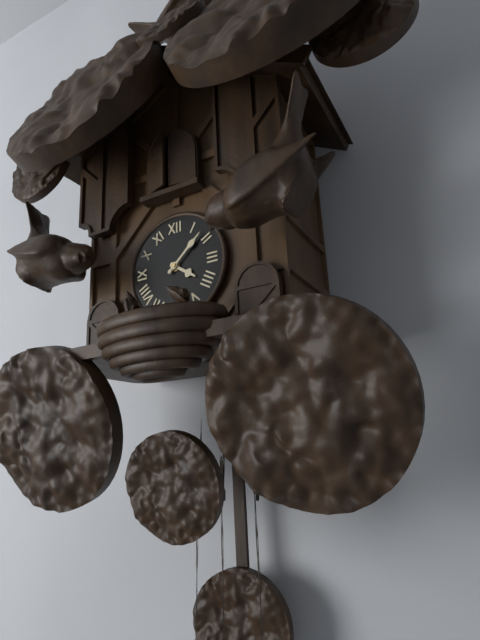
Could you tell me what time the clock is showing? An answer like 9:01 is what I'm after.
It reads 4:08
